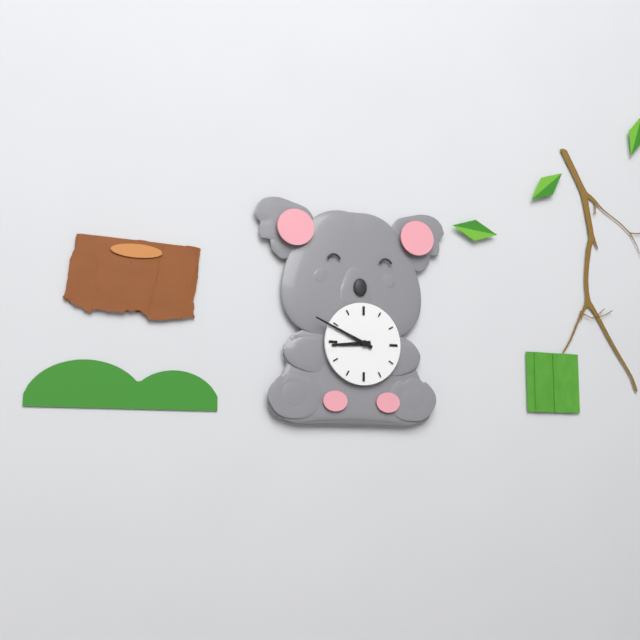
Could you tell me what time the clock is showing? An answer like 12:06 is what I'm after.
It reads 8:49
